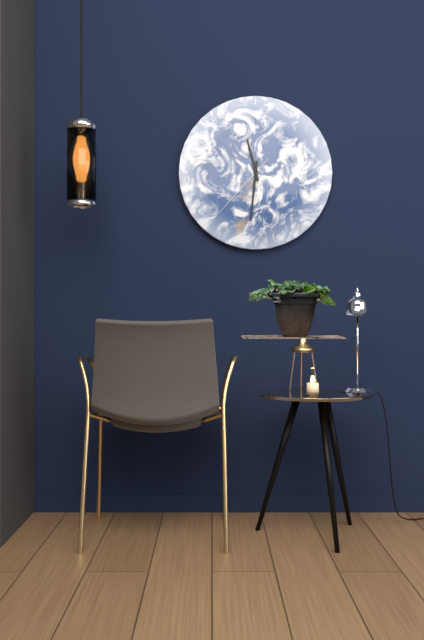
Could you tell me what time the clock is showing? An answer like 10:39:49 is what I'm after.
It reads 11:31:37
